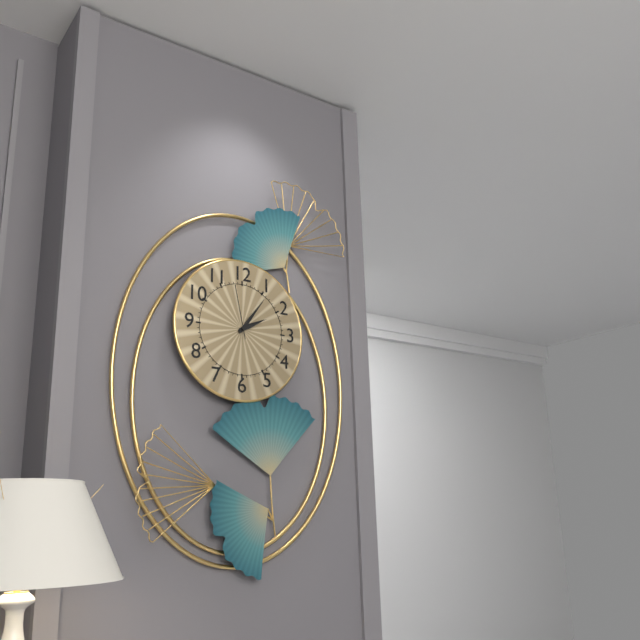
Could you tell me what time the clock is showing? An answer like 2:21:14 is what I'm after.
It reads 2:06:58
